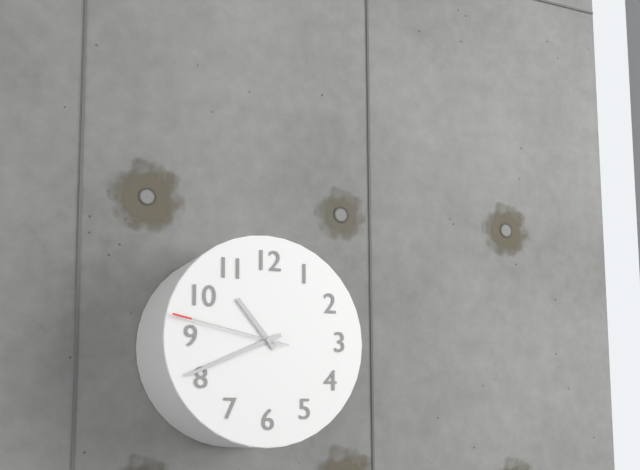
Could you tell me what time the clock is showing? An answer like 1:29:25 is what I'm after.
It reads 10:41:47
